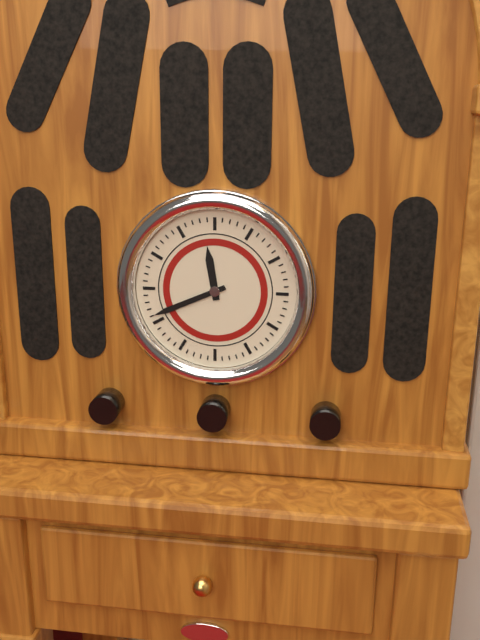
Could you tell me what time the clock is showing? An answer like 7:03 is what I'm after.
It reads 11:41
